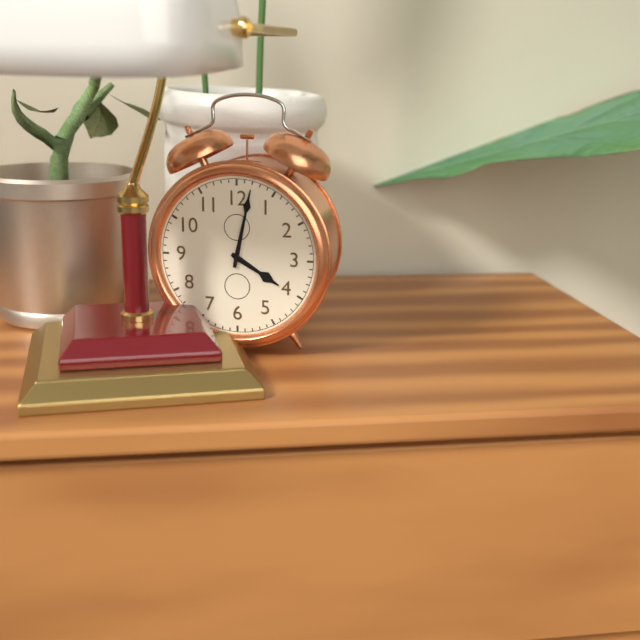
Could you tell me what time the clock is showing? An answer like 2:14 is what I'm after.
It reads 4:02
